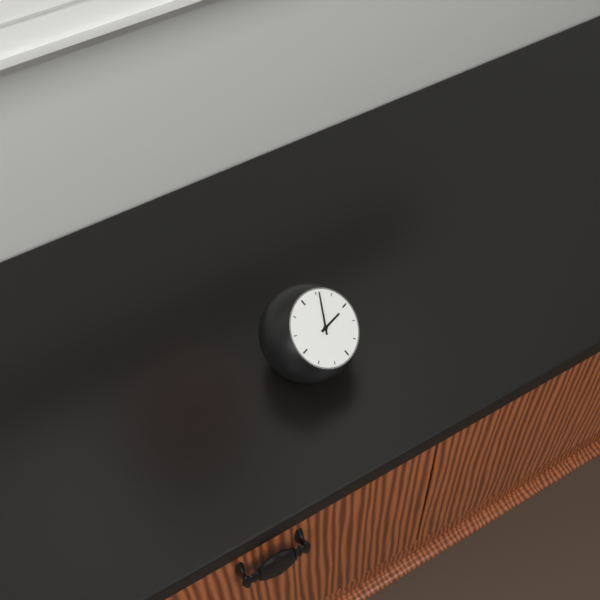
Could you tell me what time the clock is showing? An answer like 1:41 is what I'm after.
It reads 3:06
